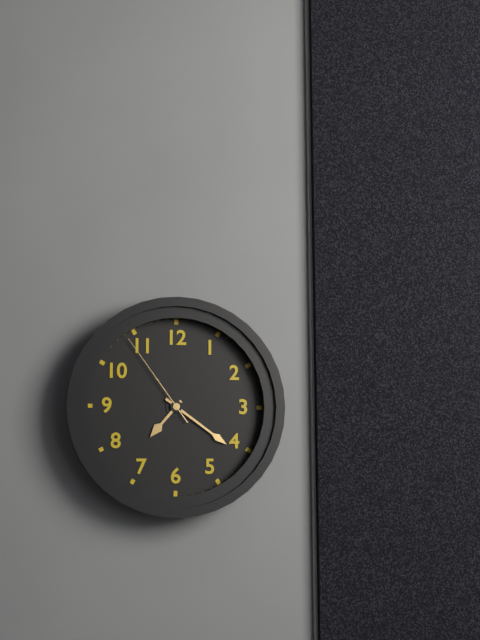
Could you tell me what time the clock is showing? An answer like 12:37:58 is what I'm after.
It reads 7:21:54
